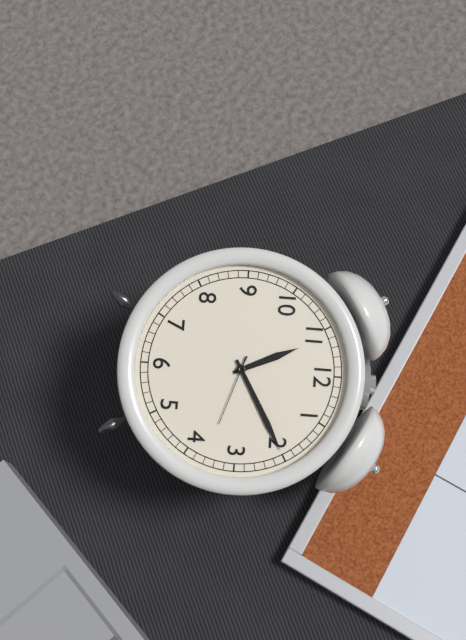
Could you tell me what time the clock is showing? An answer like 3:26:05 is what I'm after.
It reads 11:10:18
